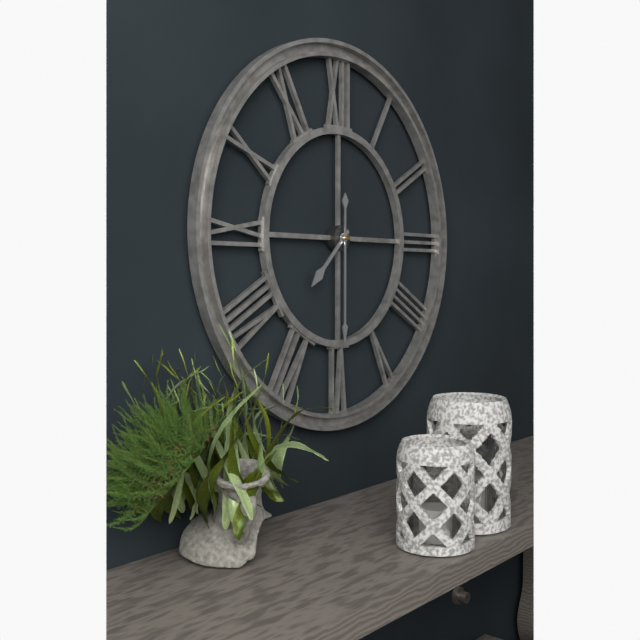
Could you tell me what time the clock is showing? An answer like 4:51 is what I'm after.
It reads 7:30
